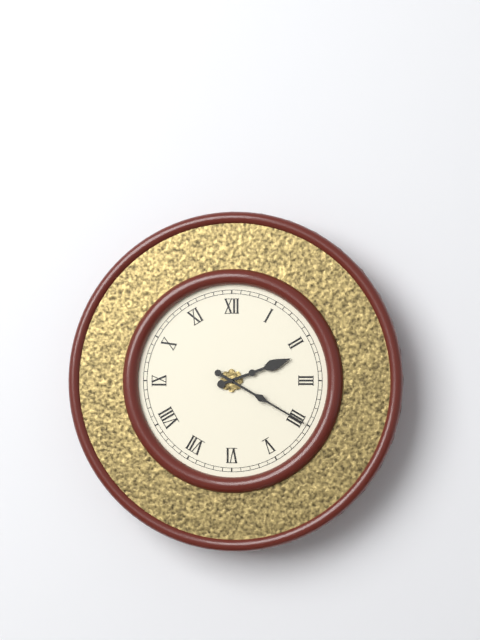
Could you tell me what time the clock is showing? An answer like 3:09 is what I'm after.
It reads 2:20
